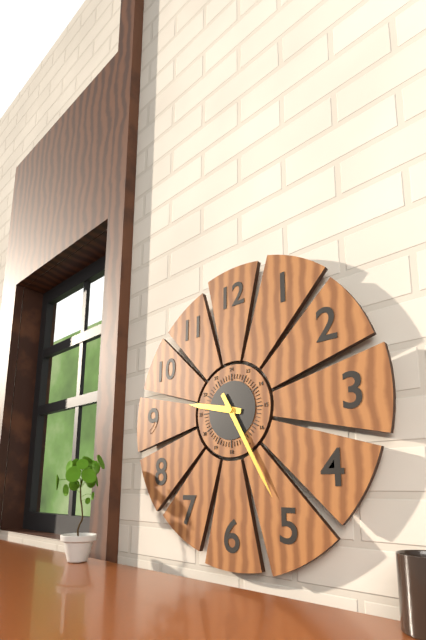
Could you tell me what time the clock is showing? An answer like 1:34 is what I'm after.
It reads 9:25
